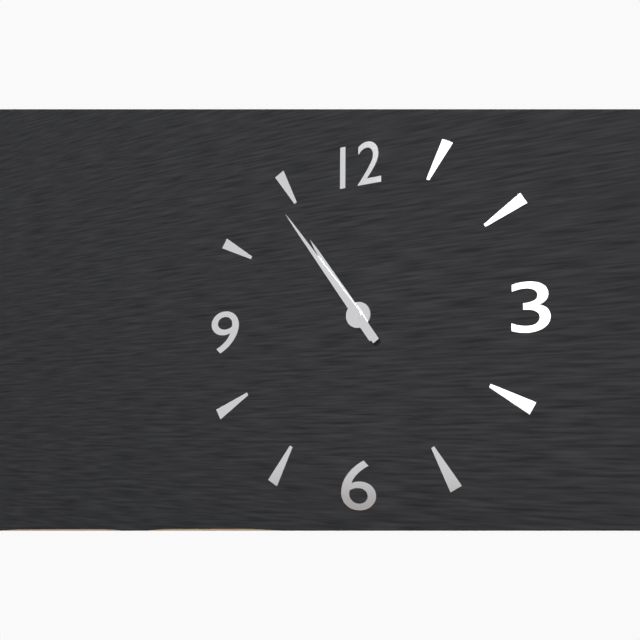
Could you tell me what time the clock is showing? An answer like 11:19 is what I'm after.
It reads 10:54
